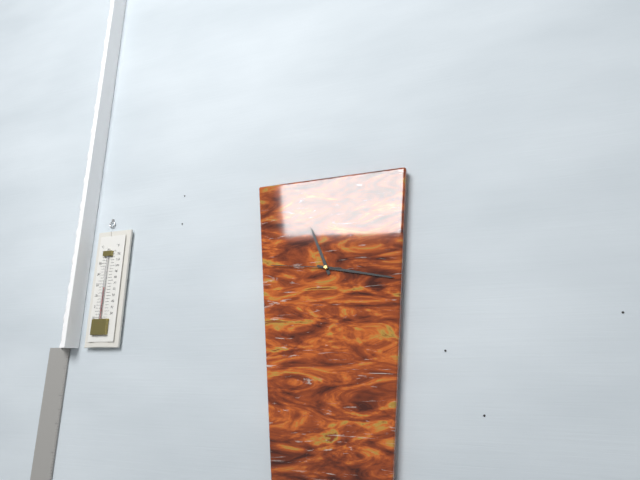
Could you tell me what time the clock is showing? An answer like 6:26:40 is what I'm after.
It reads 11:17:46
